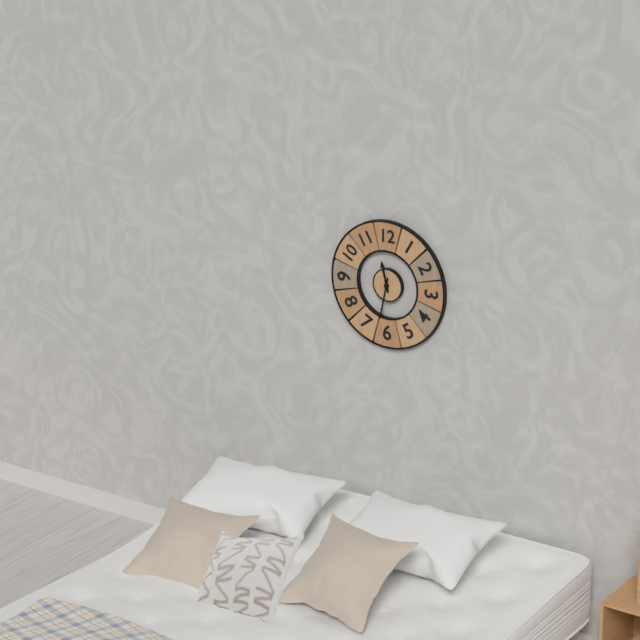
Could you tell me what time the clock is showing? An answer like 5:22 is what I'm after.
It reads 11:32
